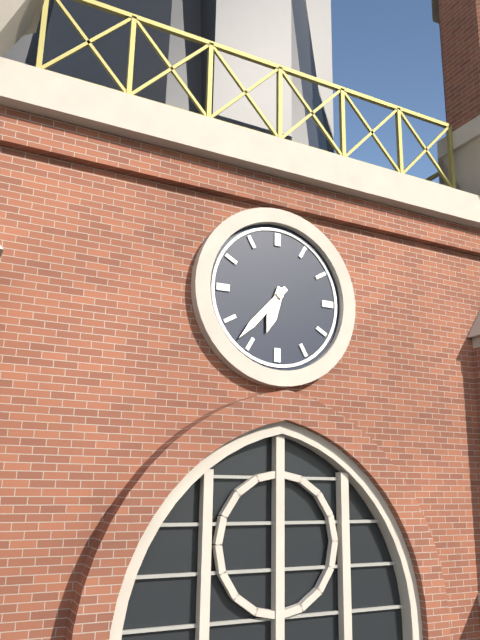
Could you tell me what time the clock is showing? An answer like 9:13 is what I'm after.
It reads 6:37
